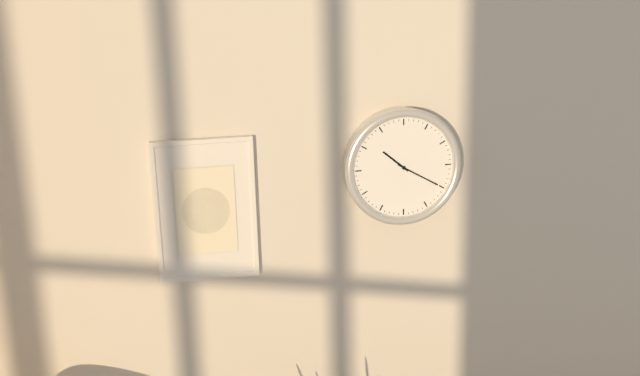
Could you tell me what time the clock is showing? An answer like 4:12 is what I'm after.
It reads 10:20
